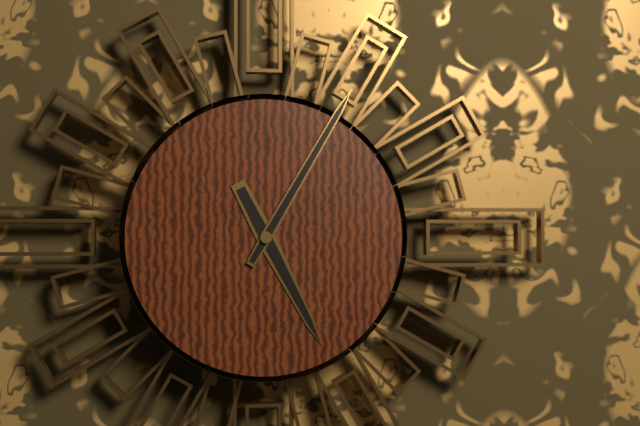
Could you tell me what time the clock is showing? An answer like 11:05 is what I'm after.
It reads 5:05
